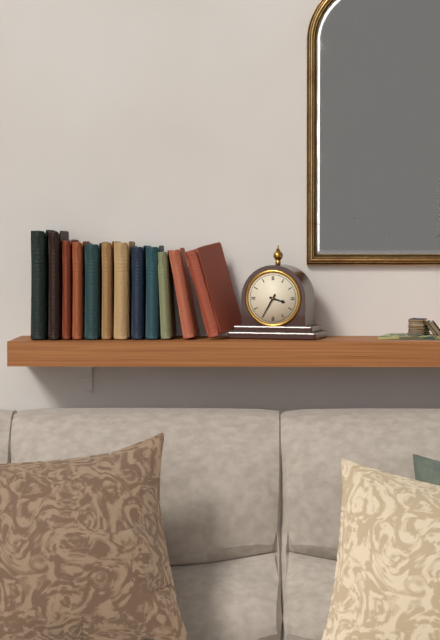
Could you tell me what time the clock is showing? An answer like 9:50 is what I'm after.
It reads 3:35
